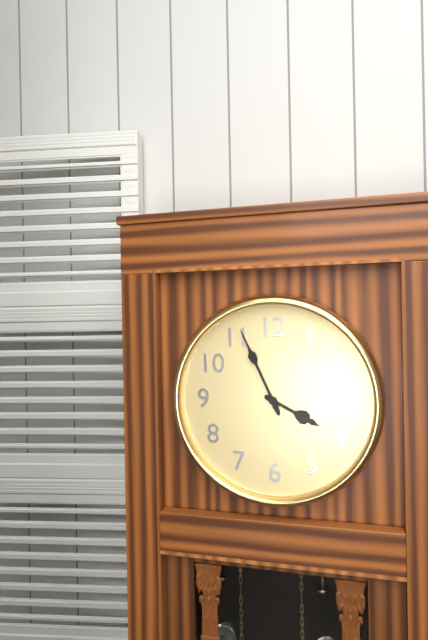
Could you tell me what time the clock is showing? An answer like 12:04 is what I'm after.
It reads 3:56
